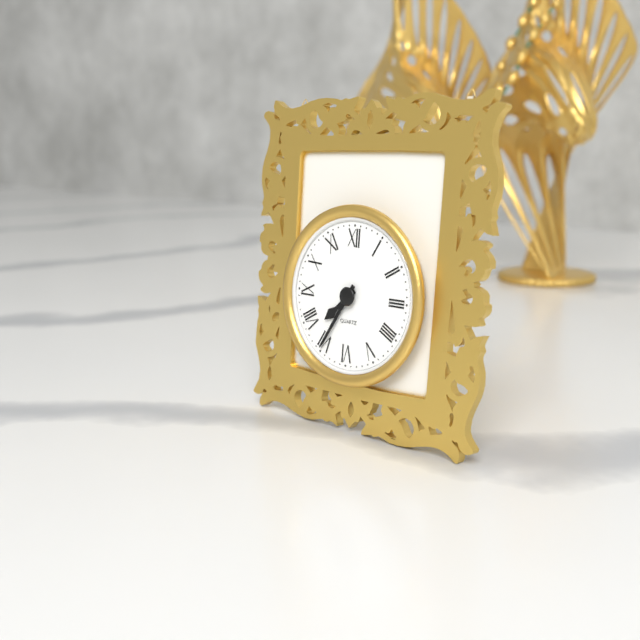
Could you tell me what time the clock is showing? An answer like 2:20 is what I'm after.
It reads 7:35
